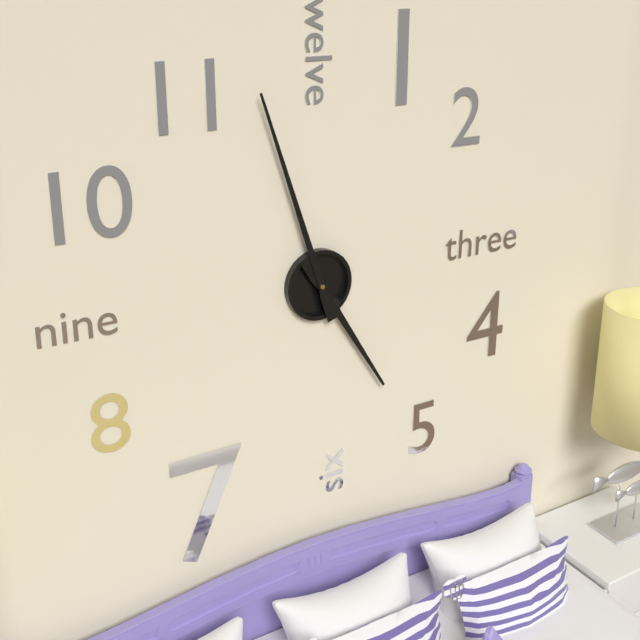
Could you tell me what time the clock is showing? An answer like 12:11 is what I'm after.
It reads 4:57
